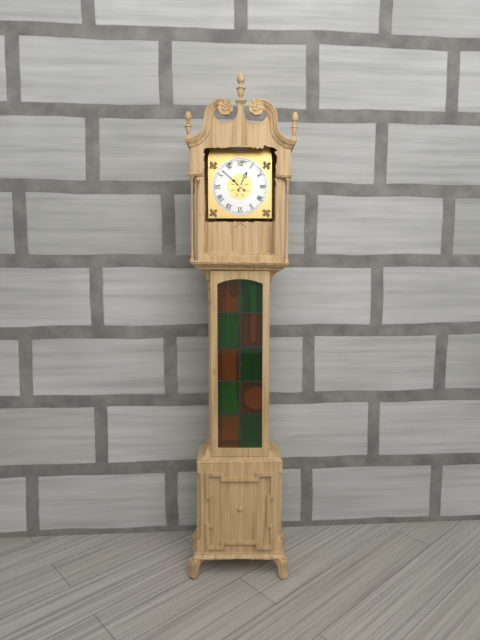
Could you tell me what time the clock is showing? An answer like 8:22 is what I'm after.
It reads 12:52
